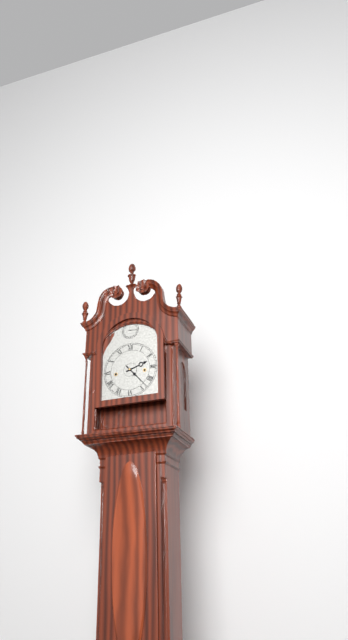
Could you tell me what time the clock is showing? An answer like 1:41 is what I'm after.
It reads 2:23
